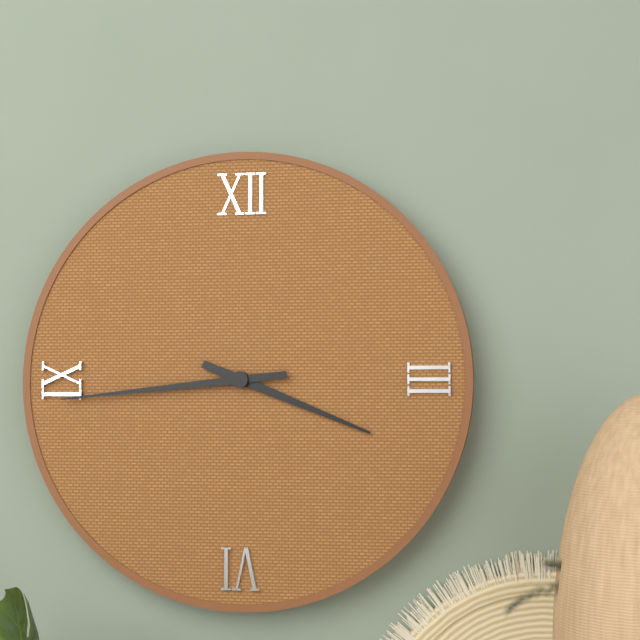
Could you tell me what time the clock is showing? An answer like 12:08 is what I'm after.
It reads 3:44
